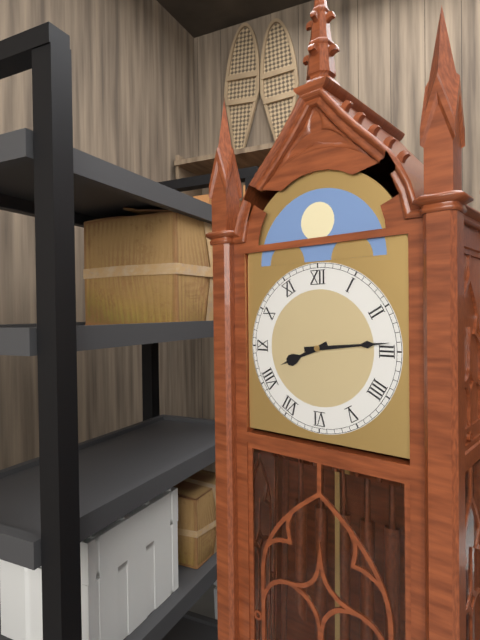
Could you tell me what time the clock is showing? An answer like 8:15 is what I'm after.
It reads 8:14
